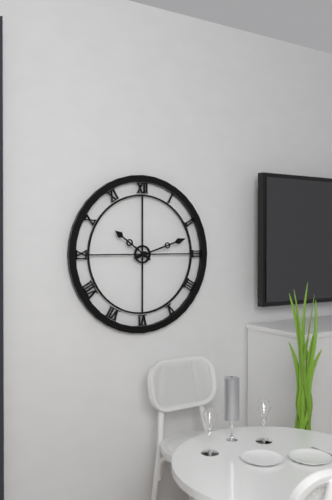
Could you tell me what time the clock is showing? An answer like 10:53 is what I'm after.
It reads 10:12
